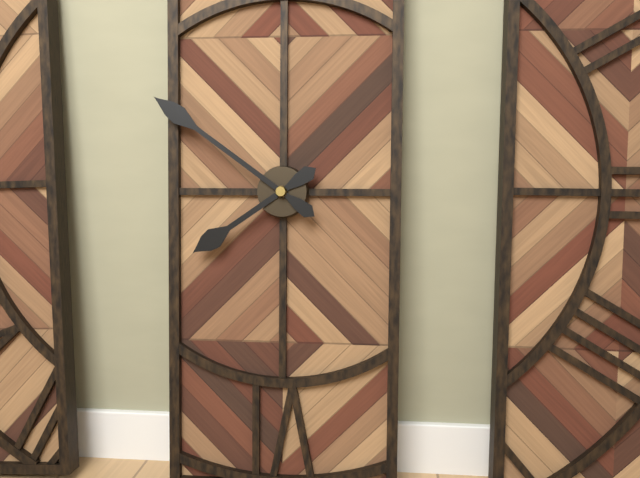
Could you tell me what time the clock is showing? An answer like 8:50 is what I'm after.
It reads 7:51
